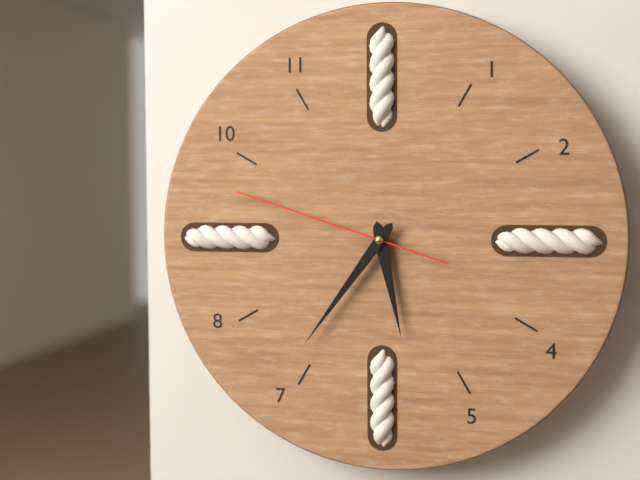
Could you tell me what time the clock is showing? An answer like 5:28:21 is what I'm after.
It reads 5:36:48
